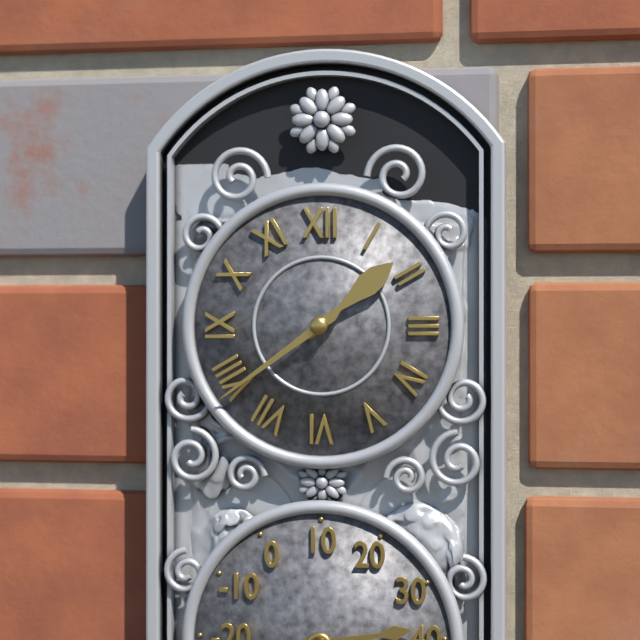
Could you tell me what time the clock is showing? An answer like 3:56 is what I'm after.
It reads 1:39
